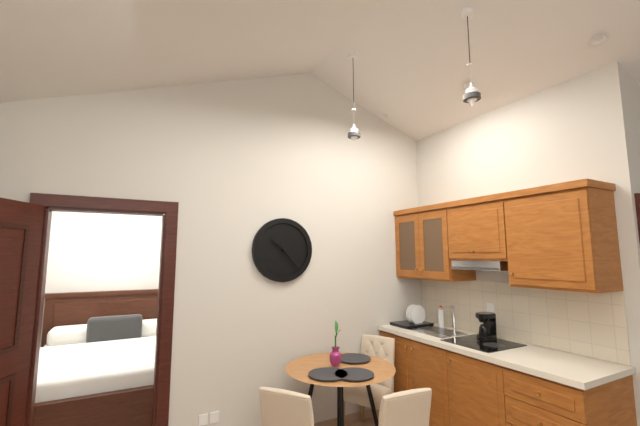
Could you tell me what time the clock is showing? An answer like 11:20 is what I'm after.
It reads 10:23
